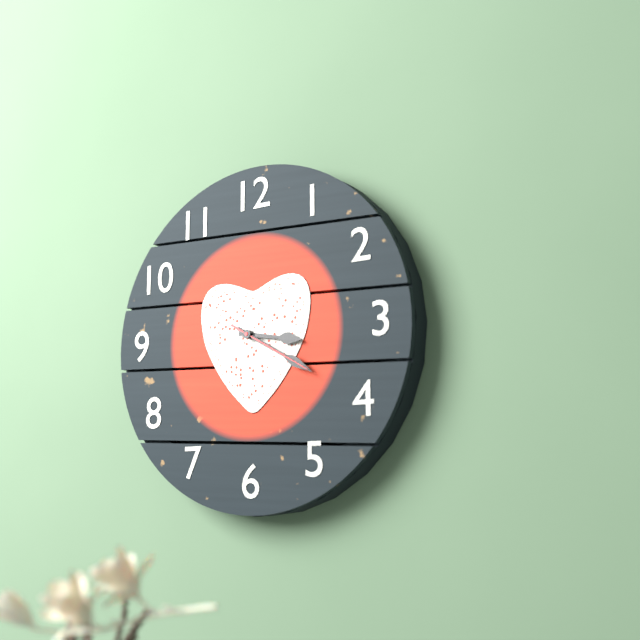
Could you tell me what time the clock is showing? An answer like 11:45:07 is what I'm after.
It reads 3:20:20
